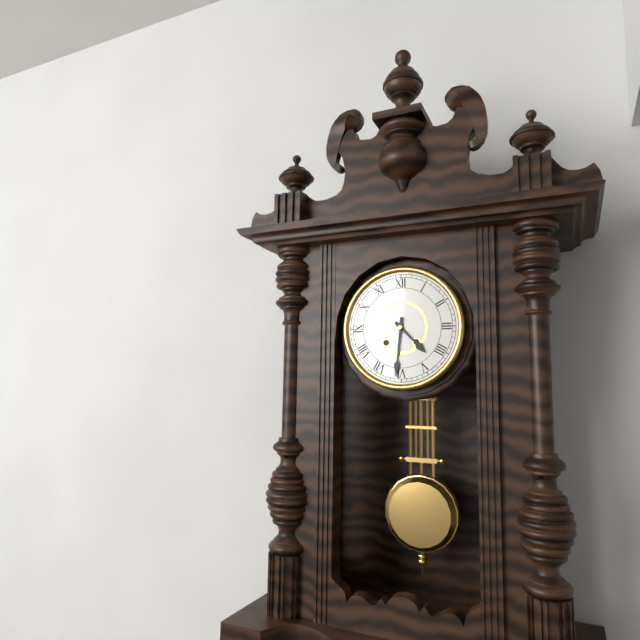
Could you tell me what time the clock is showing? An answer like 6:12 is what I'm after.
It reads 4:31
